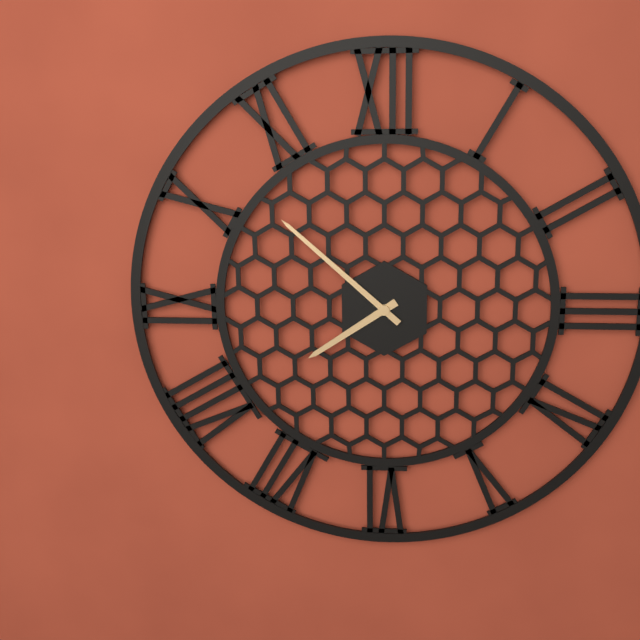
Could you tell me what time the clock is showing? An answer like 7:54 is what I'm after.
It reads 7:52
